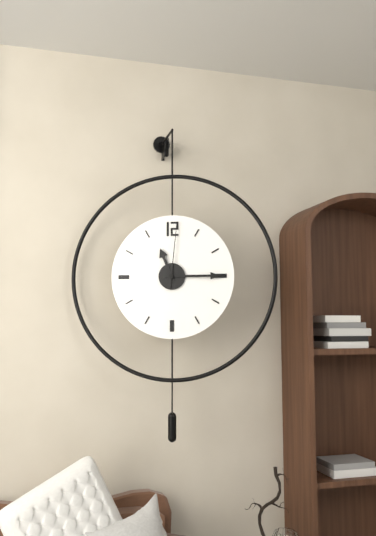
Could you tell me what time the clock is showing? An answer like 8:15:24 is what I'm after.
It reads 11:15:01
